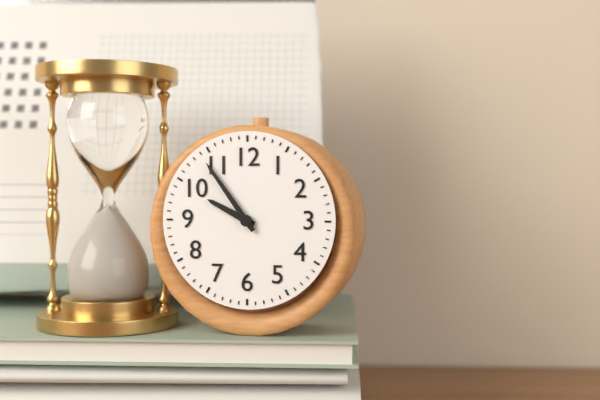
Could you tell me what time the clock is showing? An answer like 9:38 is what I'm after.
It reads 9:54
